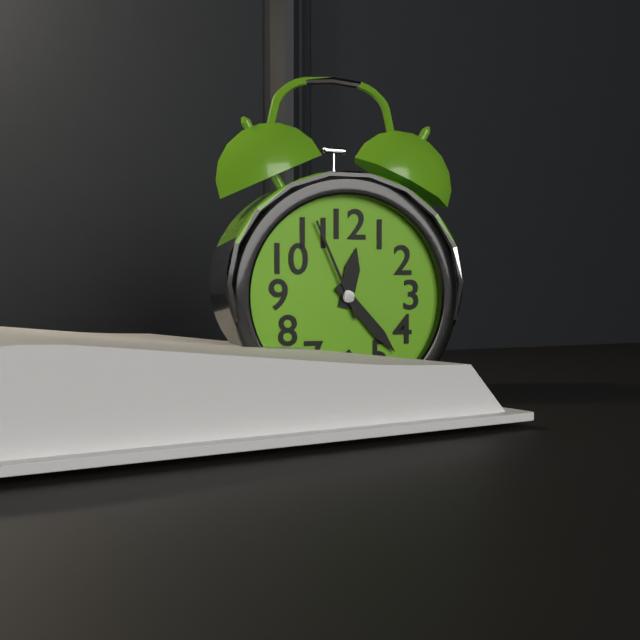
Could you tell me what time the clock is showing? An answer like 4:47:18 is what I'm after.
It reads 12:23:56
